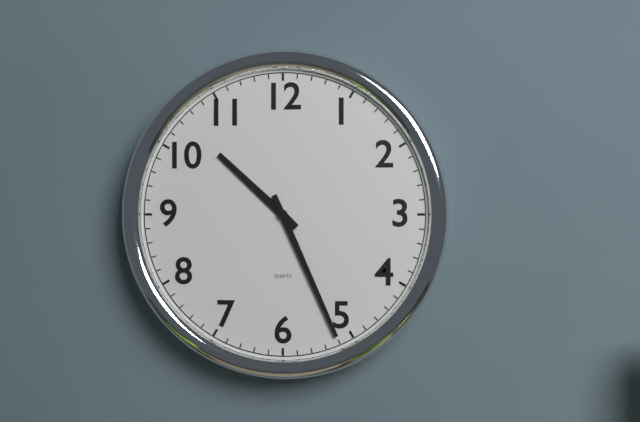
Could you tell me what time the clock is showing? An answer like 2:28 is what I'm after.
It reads 10:26
